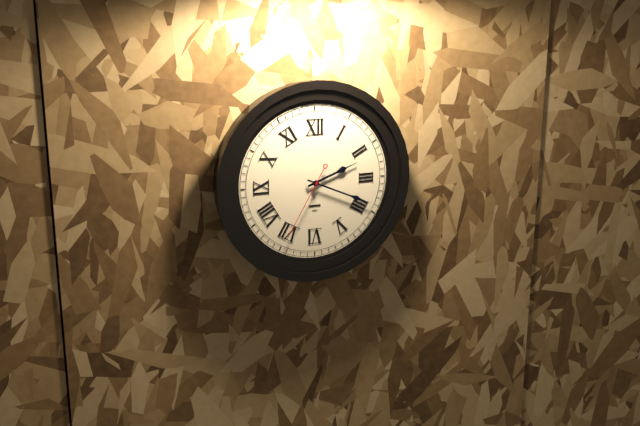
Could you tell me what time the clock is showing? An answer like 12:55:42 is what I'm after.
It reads 2:19:35
